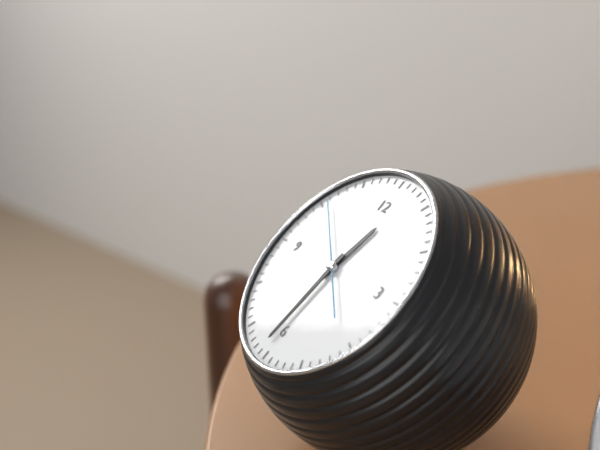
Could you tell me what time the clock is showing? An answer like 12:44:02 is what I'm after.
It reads 12:31:51
